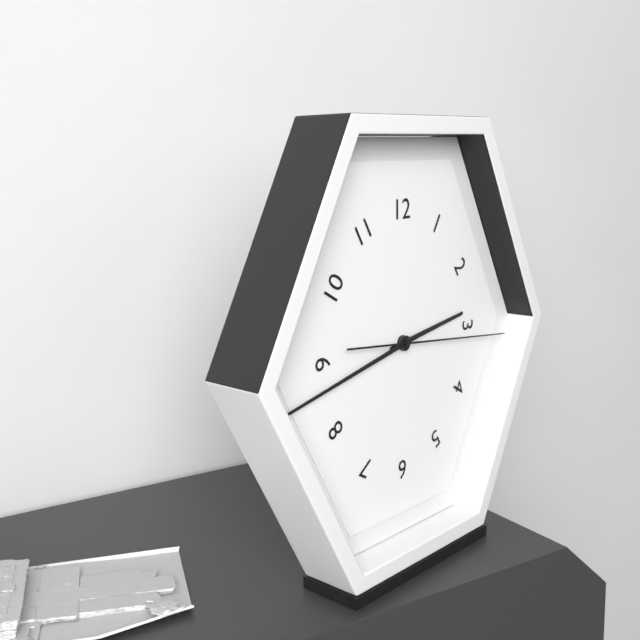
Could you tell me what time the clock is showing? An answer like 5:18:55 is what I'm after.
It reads 2:43:16
